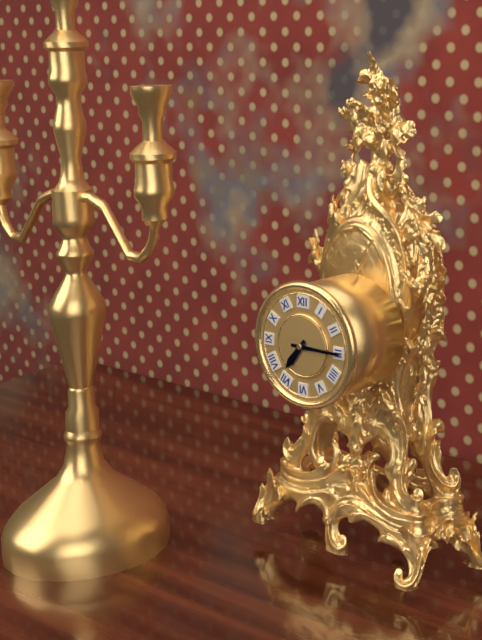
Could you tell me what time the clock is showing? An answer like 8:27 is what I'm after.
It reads 7:15
